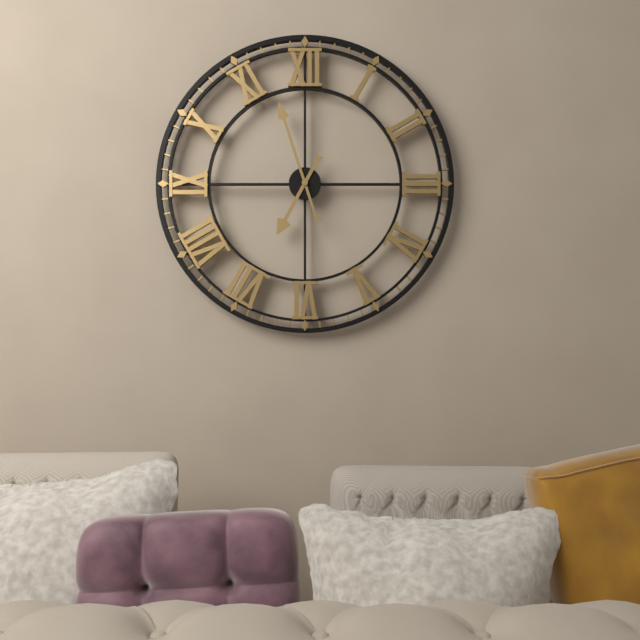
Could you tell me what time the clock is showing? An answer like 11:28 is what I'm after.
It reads 6:57
